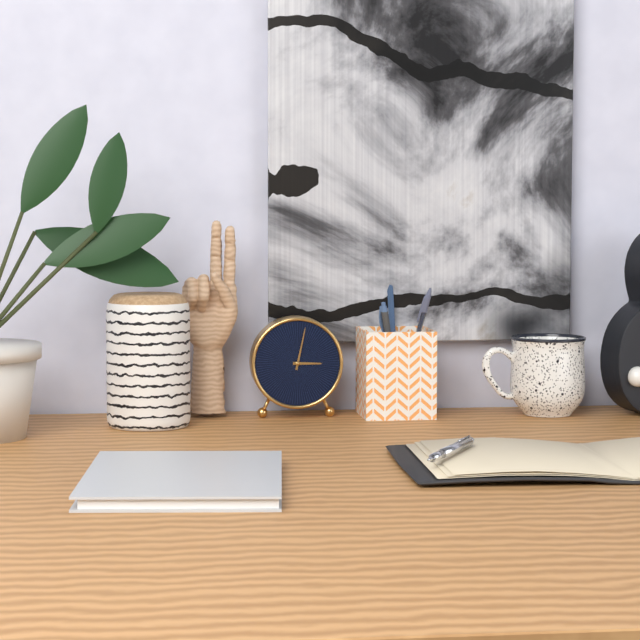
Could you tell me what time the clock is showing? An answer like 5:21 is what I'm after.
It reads 3:02
